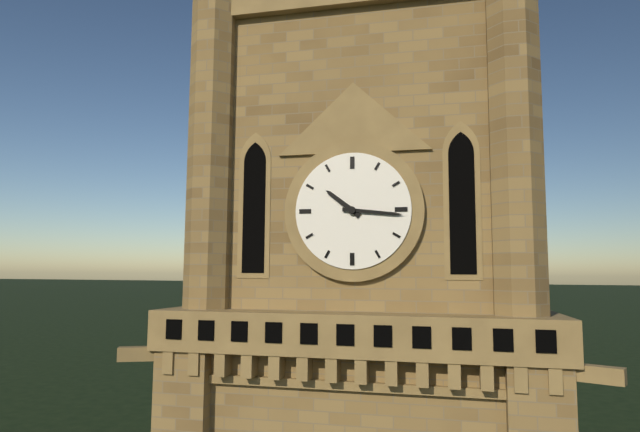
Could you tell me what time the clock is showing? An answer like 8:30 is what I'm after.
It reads 10:16
